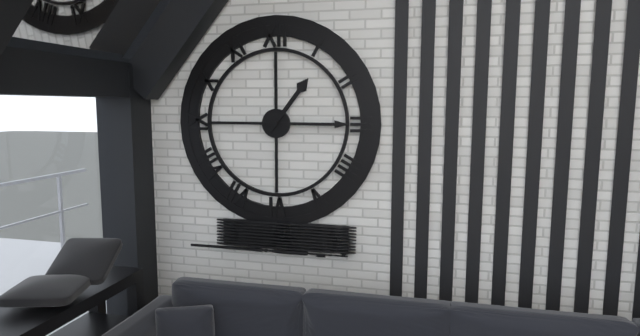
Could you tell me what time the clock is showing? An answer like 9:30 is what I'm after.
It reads 1:15
